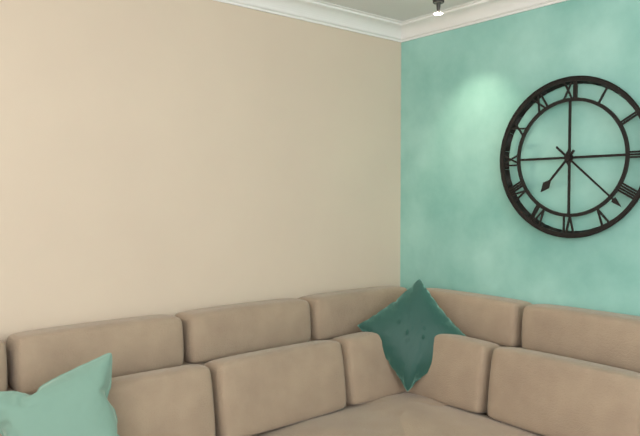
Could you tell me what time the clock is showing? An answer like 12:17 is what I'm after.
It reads 7:22
